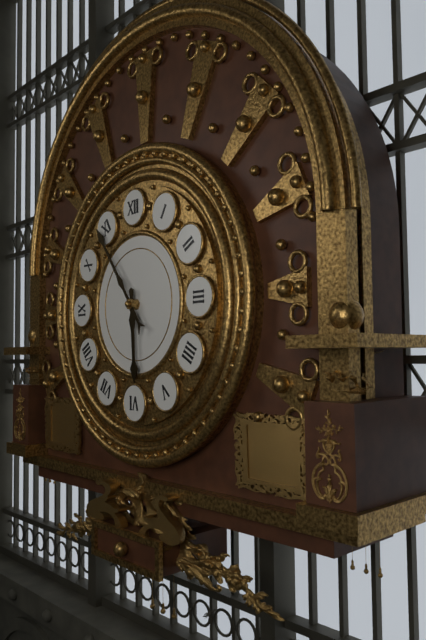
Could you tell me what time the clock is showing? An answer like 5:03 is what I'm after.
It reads 5:54
